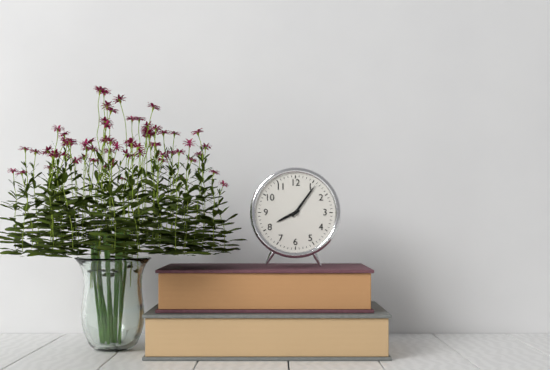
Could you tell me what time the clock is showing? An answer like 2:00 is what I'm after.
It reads 8:06
